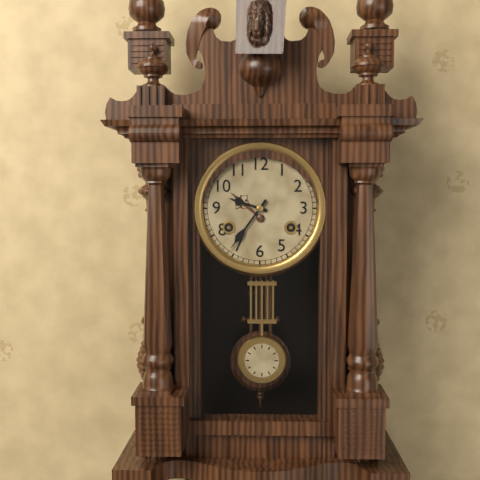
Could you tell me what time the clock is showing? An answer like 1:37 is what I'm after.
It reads 9:36
